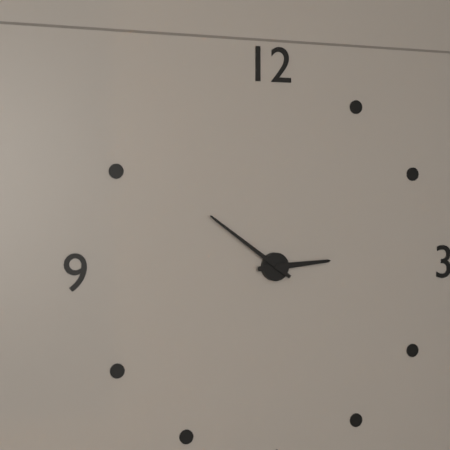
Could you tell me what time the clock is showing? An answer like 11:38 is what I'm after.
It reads 2:51
